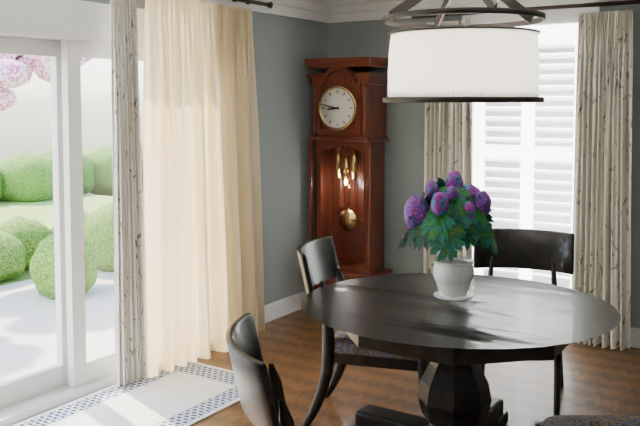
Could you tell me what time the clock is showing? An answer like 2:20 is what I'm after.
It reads 8:47
